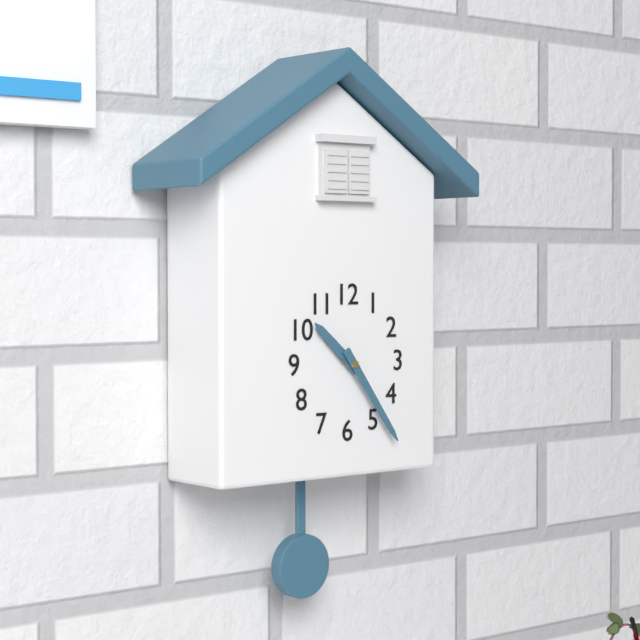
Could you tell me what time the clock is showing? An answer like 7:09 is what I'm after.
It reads 10:24
